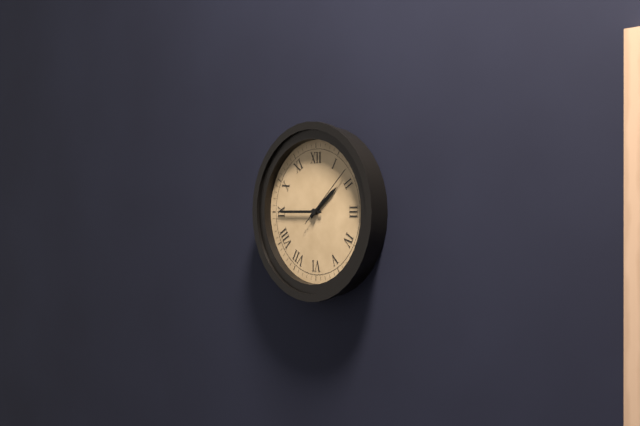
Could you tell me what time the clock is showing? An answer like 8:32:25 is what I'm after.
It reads 1:45:08
